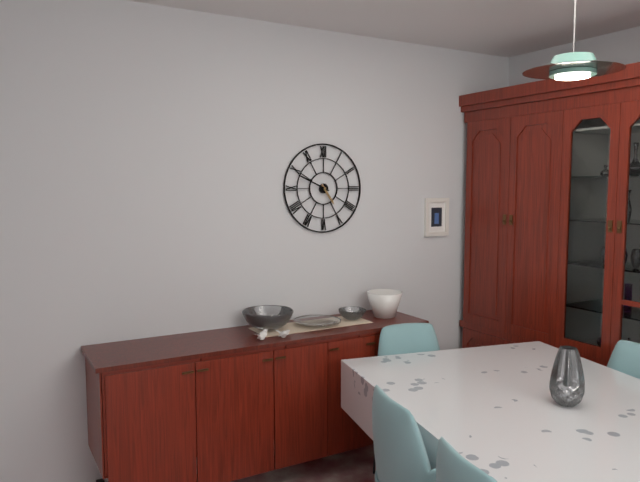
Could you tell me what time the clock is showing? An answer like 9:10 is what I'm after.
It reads 4:49
